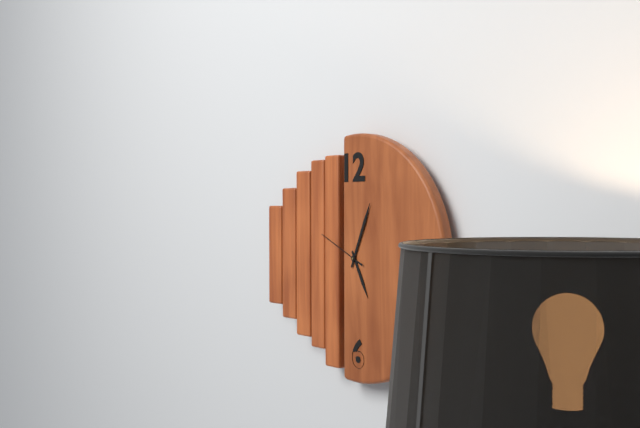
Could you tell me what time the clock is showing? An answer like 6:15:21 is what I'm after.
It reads 5:04:49
